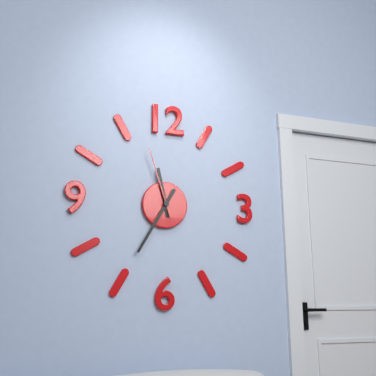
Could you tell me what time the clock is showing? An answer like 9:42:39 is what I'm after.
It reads 11:35:57
